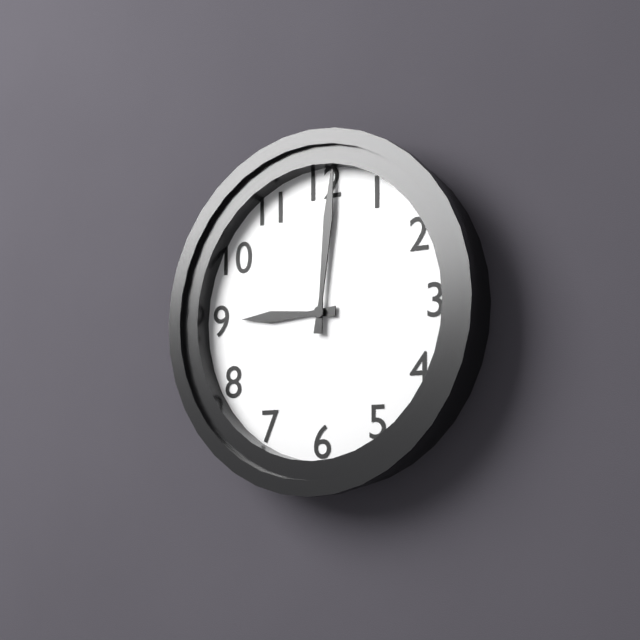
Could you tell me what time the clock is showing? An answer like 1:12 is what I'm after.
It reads 9:01
